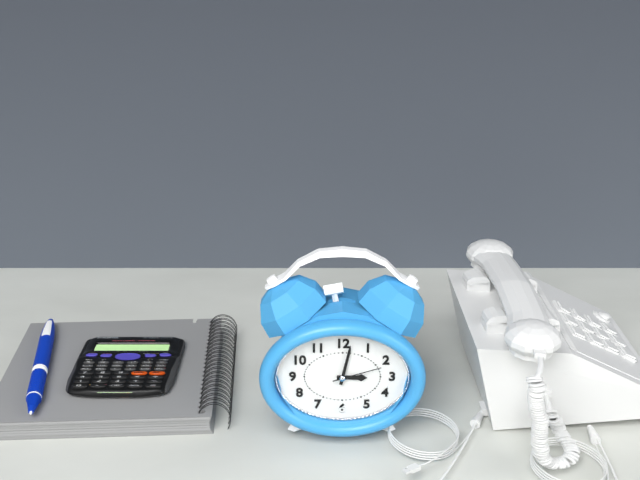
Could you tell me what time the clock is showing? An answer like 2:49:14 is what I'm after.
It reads 3:02:12
